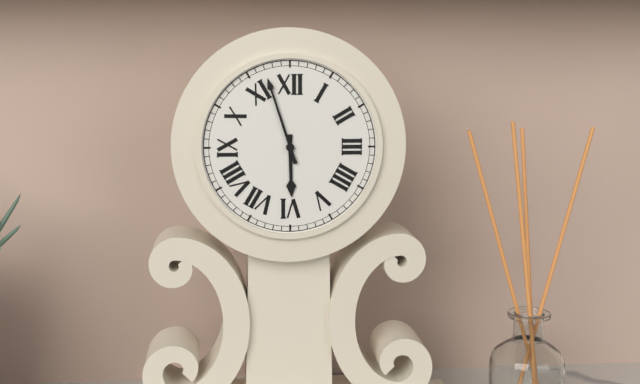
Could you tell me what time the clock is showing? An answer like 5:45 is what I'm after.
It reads 5:57
